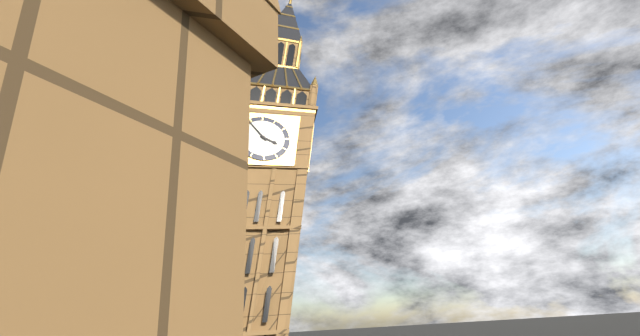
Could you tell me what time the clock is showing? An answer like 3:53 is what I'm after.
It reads 3:54
